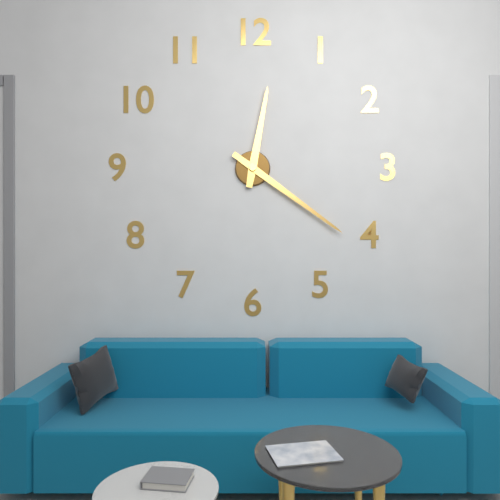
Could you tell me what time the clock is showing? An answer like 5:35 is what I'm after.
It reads 12:21
